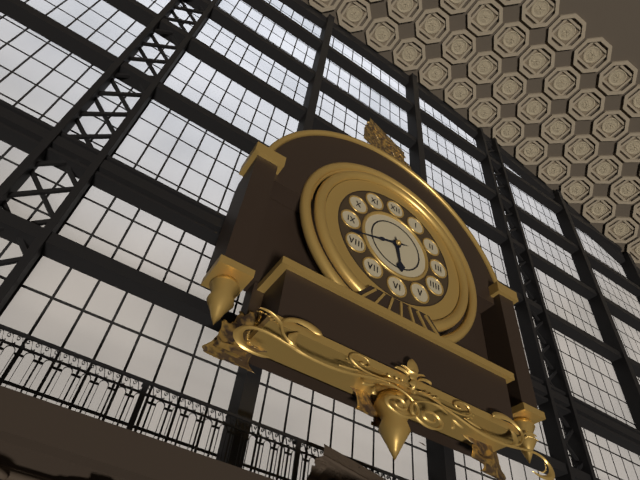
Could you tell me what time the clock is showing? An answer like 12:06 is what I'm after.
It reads 5:42
